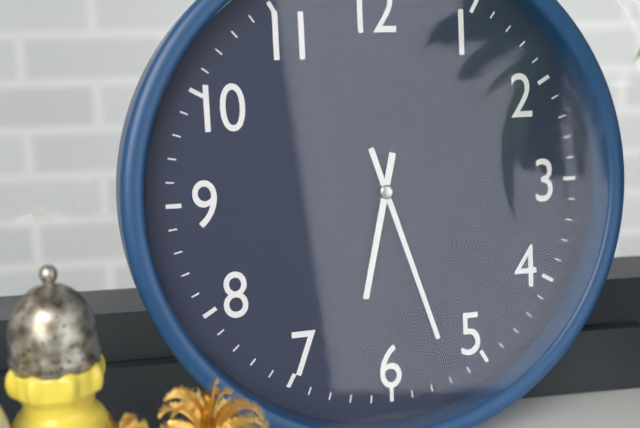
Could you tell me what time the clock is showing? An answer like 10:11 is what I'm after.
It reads 6:27
